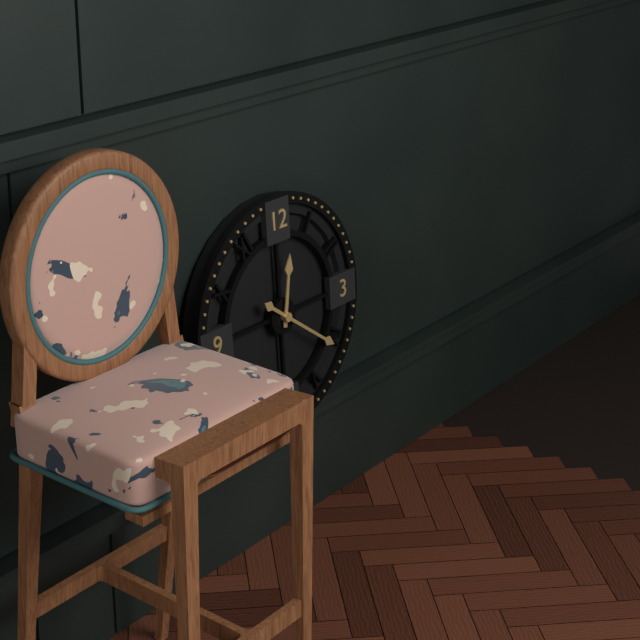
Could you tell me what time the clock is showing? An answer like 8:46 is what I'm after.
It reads 12:21
